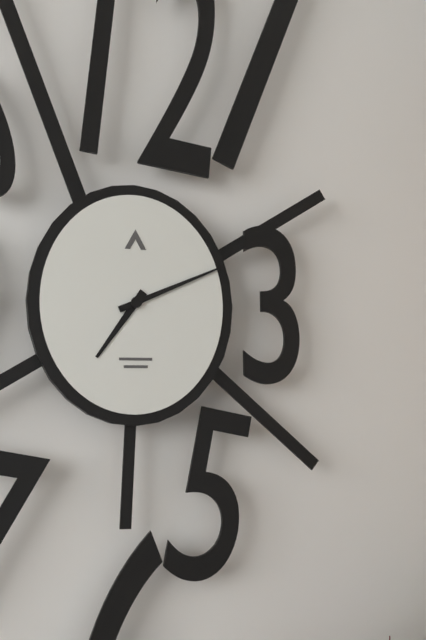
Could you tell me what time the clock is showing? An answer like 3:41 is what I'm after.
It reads 7:11
